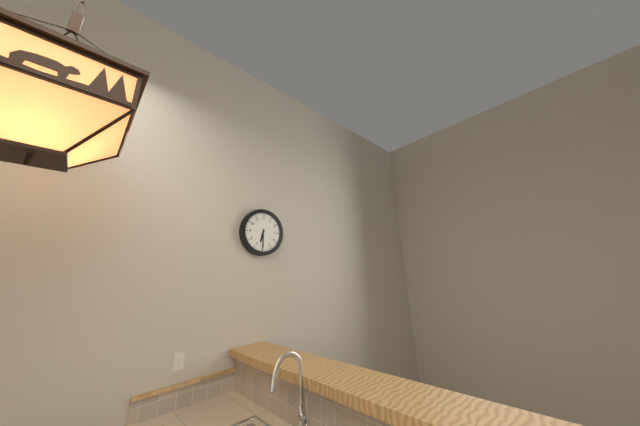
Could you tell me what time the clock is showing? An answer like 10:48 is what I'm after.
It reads 6:30
